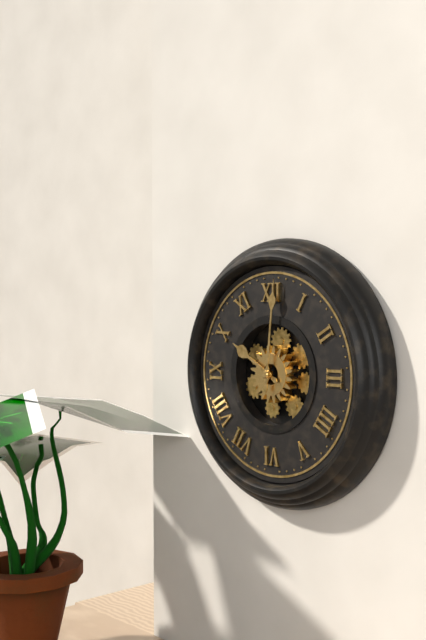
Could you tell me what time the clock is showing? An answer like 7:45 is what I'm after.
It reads 10:01
